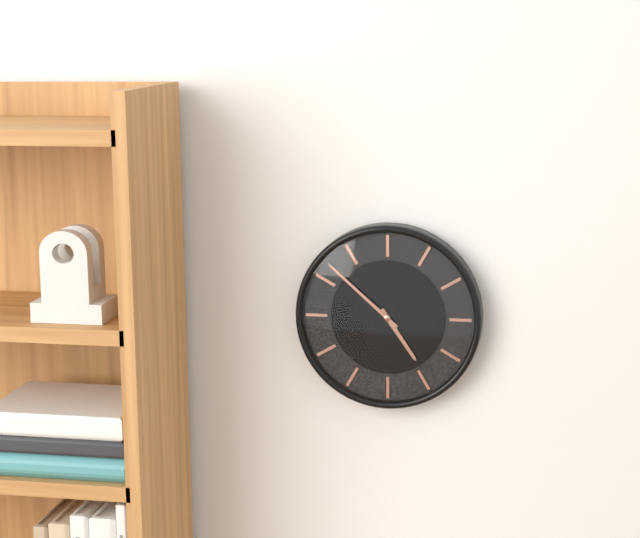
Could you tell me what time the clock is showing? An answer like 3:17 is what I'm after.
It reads 4:52
